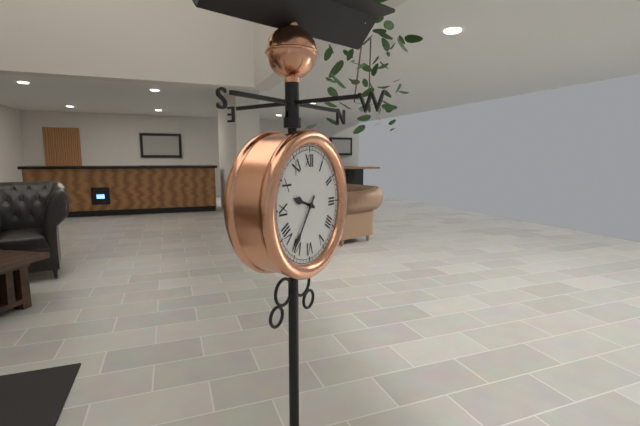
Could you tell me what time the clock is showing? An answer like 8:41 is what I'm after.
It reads 9:36
